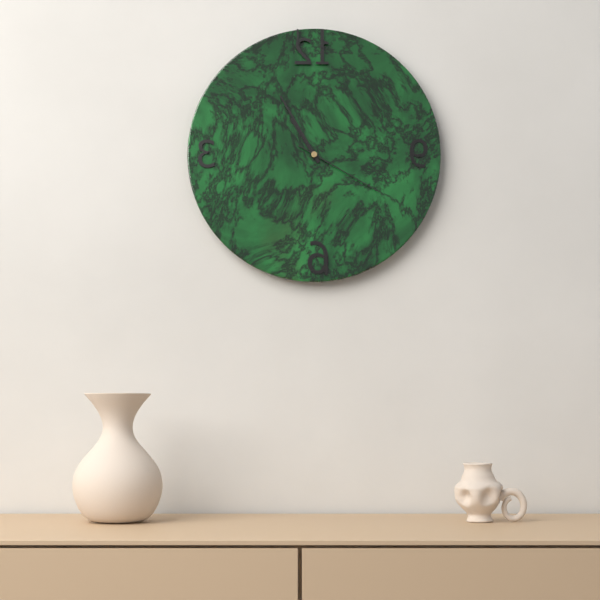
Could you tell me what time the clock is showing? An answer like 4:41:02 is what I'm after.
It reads 10:55:20
